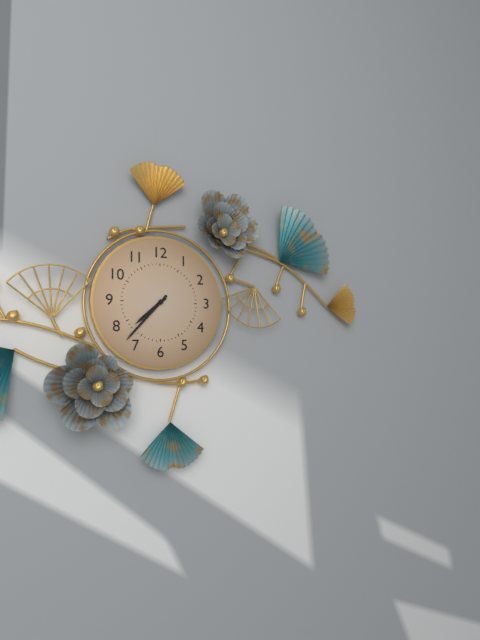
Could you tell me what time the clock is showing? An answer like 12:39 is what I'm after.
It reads 7:37
